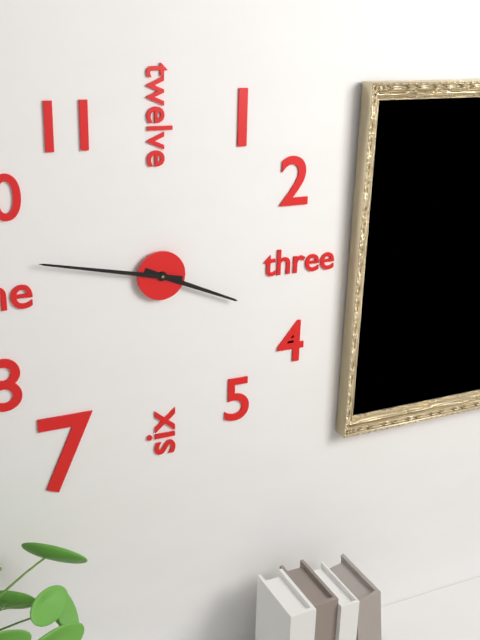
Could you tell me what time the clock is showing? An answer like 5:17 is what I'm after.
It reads 3:47
